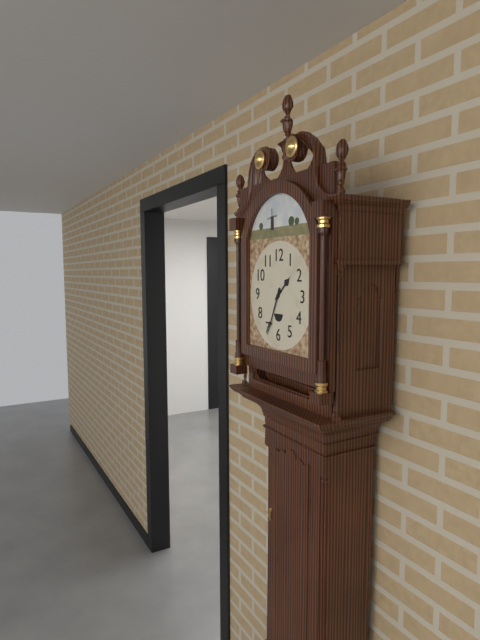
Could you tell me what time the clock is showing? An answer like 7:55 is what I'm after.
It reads 1:34
